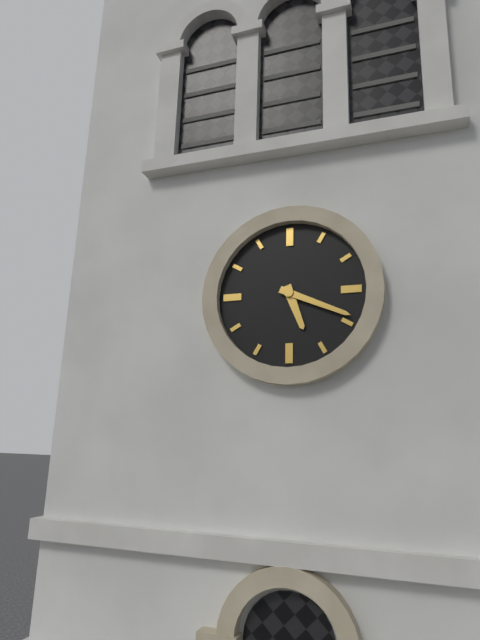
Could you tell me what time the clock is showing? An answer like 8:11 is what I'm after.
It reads 5:19
